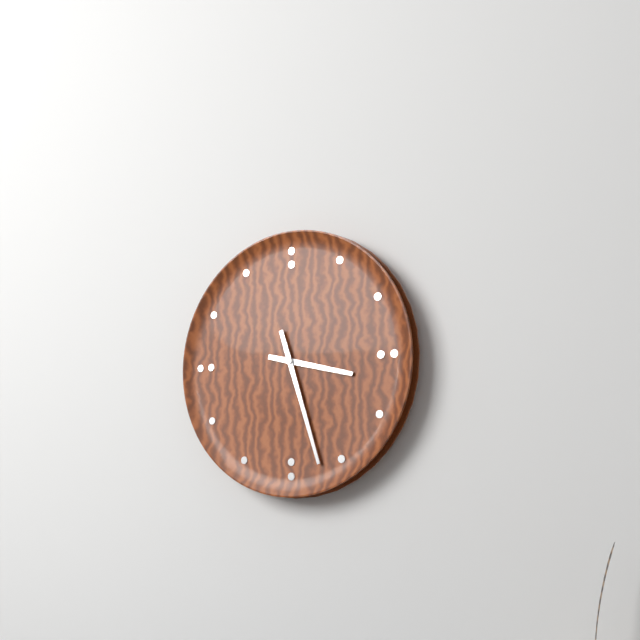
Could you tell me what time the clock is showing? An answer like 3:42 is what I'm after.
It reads 3:27
